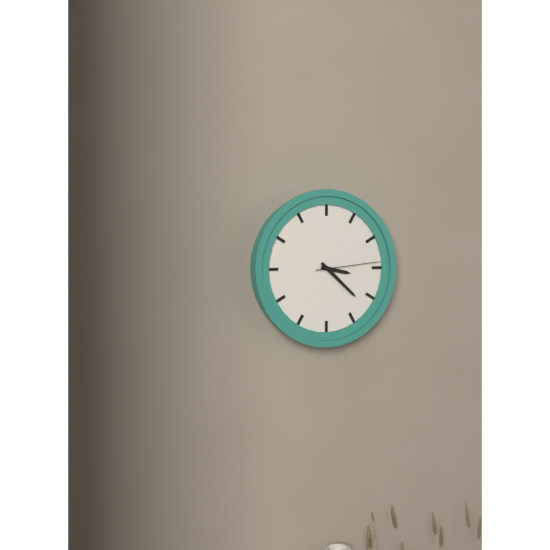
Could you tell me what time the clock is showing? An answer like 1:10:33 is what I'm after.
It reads 3:22:14
